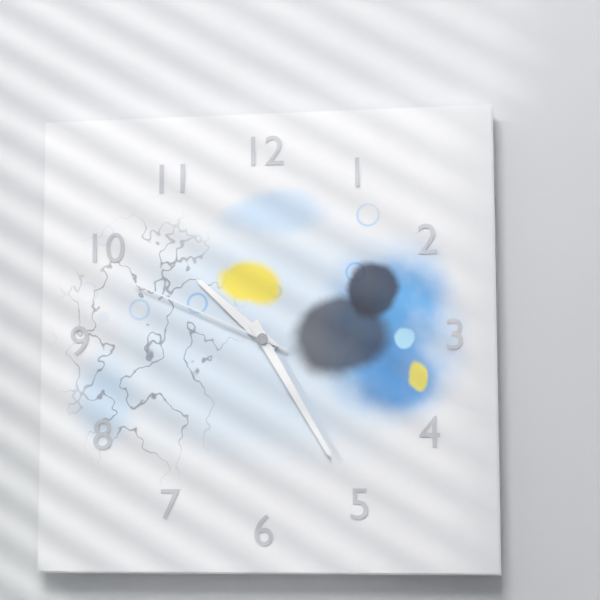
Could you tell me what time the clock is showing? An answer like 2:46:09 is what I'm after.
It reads 10:25:49
